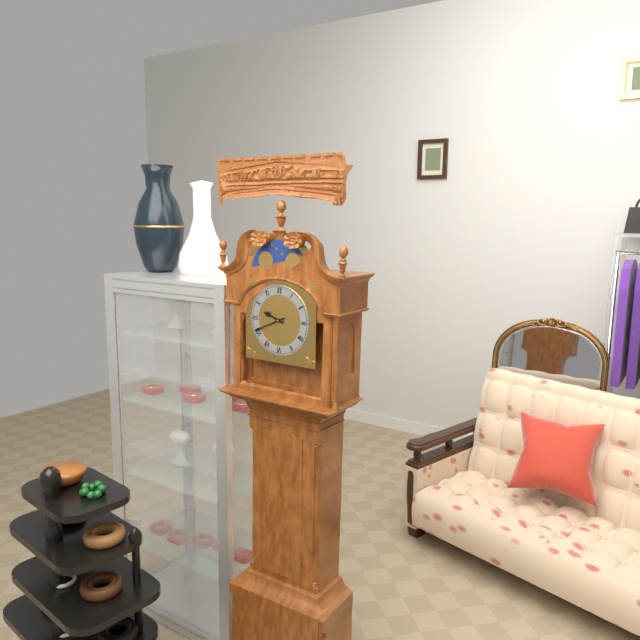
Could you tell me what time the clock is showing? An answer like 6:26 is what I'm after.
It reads 9:41
